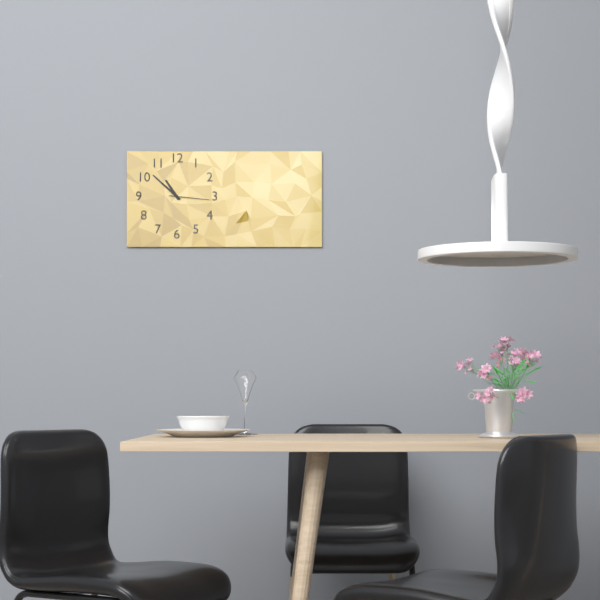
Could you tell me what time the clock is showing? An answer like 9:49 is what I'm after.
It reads 10:52
